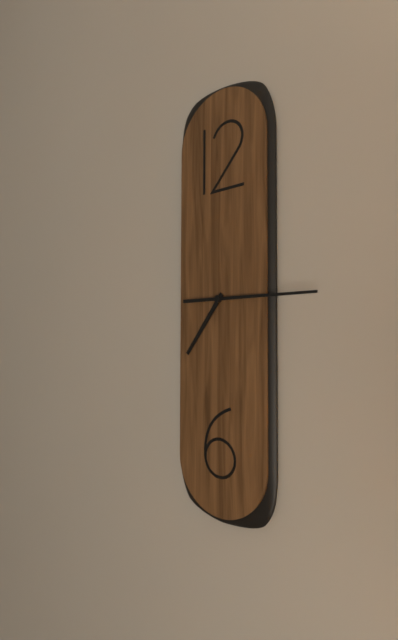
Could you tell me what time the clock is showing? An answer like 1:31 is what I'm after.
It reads 7:15
